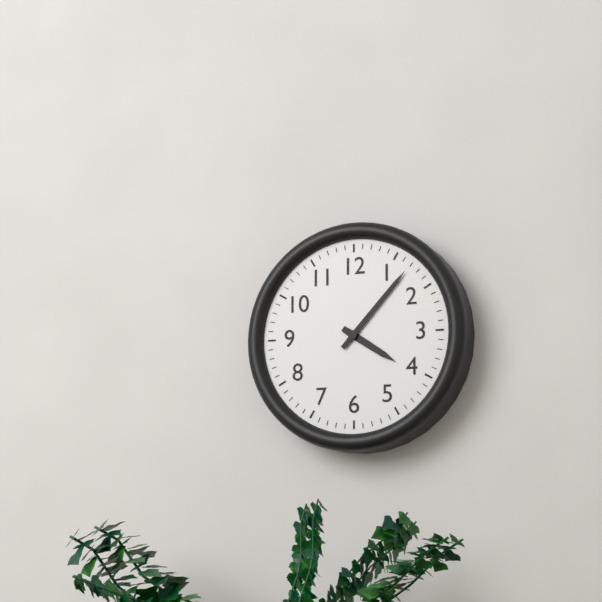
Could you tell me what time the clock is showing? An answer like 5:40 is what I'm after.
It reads 4:07
